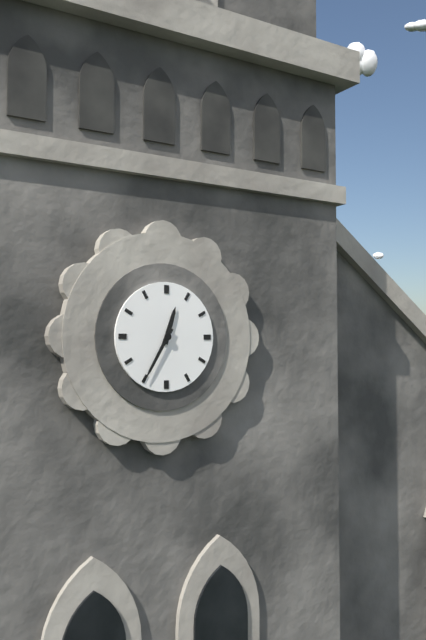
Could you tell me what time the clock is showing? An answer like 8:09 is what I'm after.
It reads 12:35
